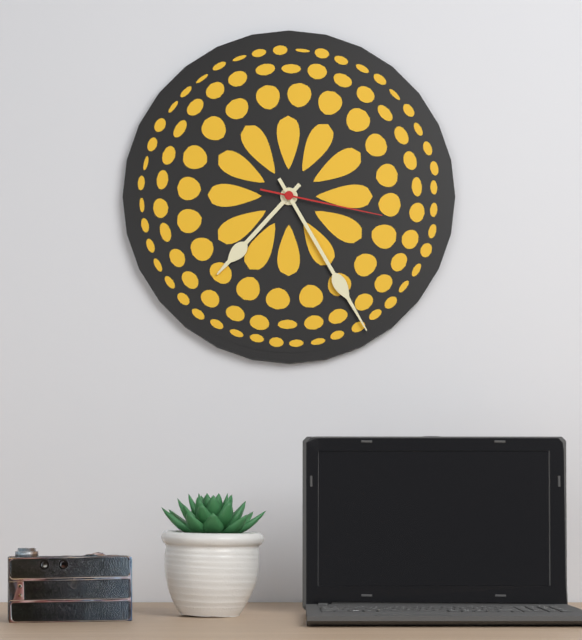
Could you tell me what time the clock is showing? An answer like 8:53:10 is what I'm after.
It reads 7:25:17
